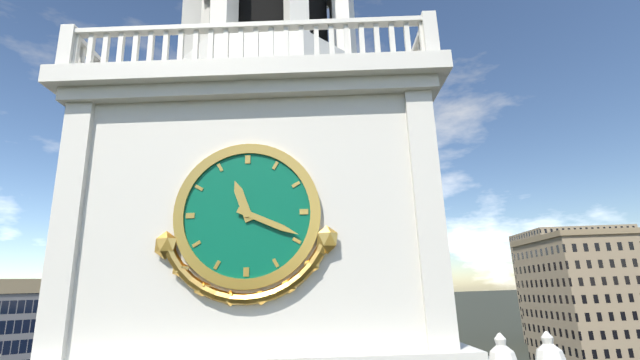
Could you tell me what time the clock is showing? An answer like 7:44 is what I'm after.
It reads 11:19
